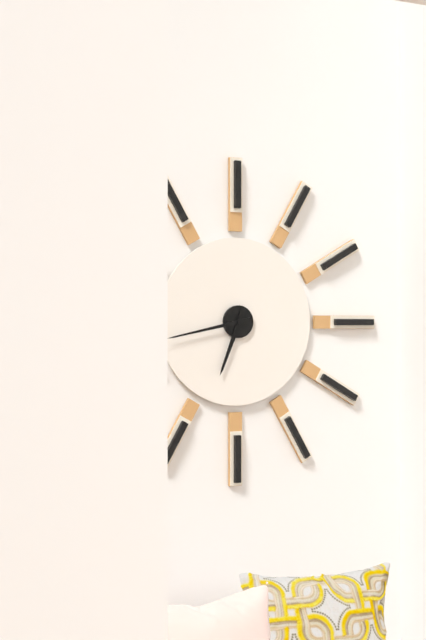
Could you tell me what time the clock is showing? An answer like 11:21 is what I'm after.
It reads 6:43
